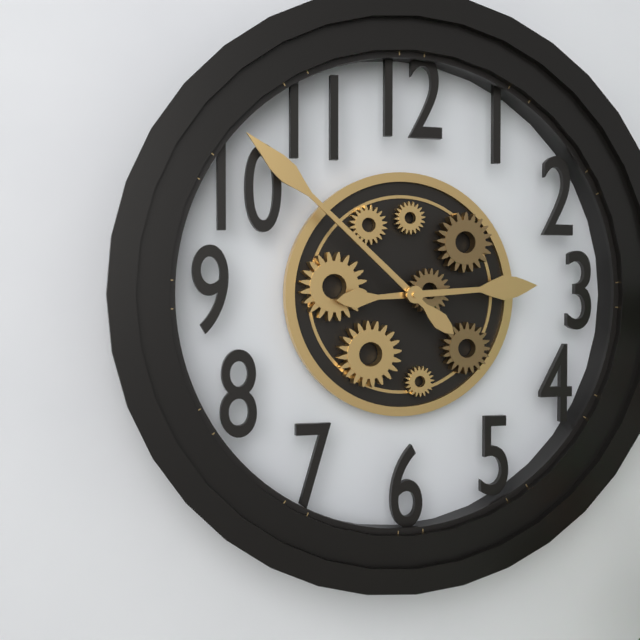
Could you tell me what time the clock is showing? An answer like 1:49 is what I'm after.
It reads 2:52
